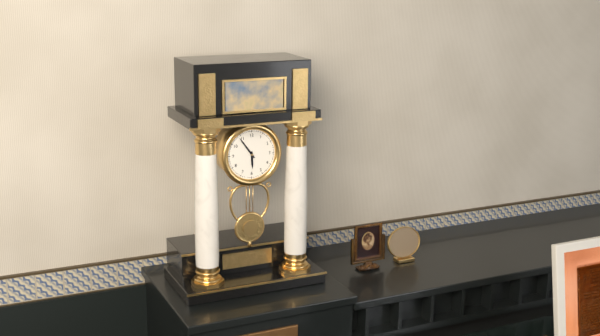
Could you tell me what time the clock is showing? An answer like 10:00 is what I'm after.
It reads 5:54
